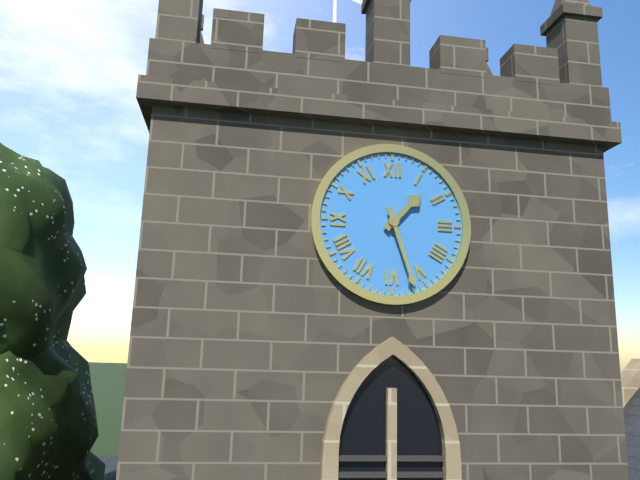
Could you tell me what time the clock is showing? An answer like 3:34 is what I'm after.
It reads 1:27
